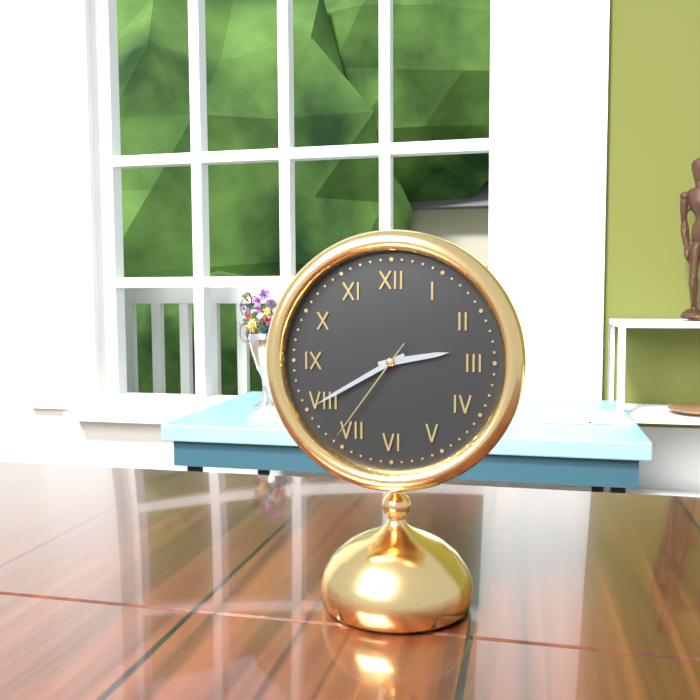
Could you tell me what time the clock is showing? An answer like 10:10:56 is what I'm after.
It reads 2:40:36
